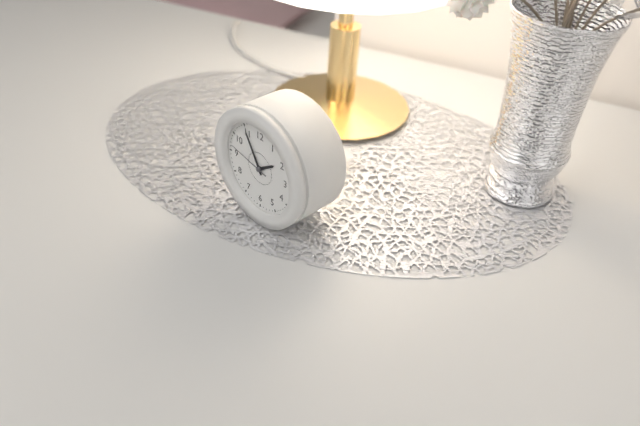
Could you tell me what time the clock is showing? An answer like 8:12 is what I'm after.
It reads 1:55
